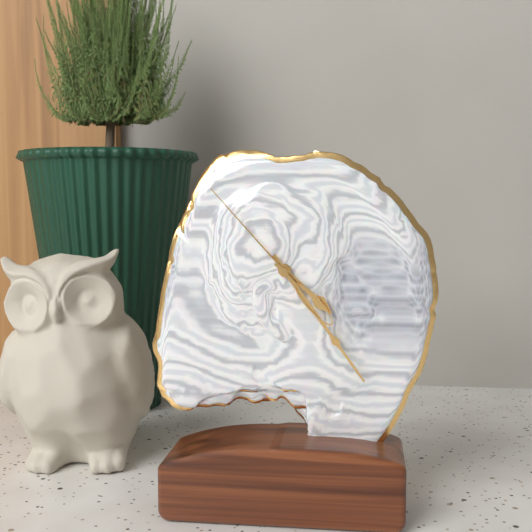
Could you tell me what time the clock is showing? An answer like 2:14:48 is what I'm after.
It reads 4:24:53
